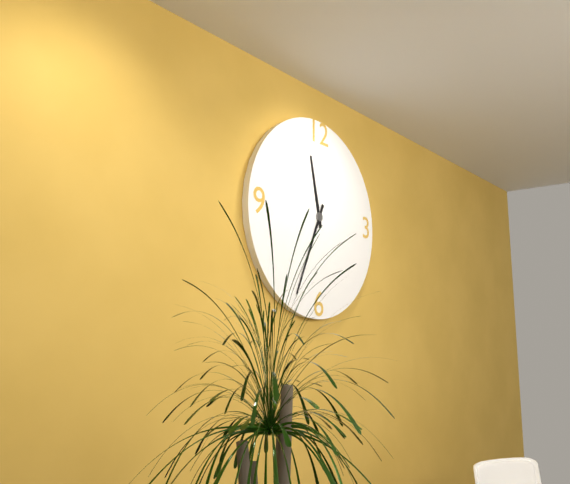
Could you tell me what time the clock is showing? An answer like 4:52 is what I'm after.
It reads 11:34
